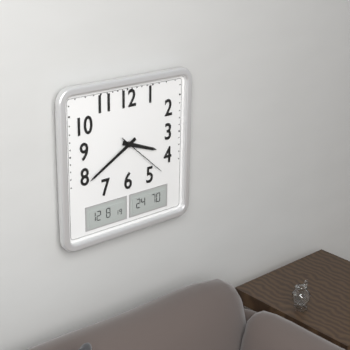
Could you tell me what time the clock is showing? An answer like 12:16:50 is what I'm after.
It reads 3:40:22
